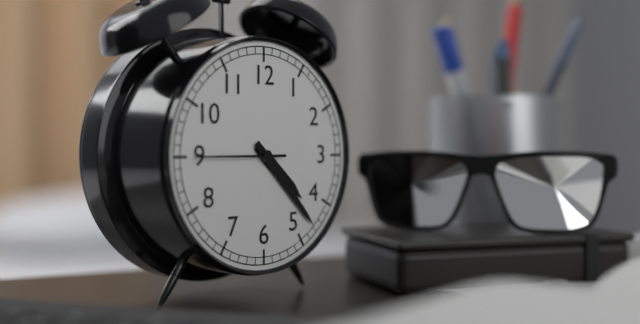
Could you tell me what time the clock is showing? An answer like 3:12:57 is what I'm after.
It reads 4:23:45
